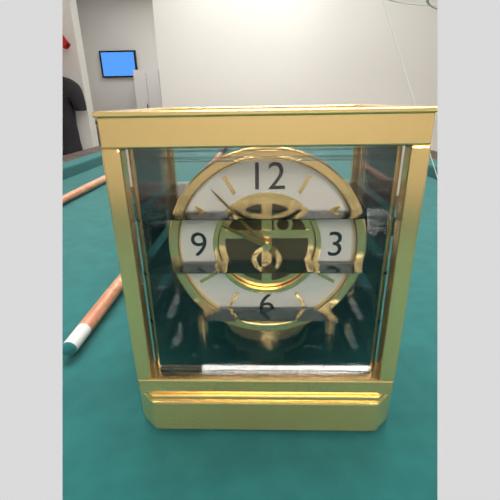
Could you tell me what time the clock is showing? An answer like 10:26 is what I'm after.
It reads 9:53
